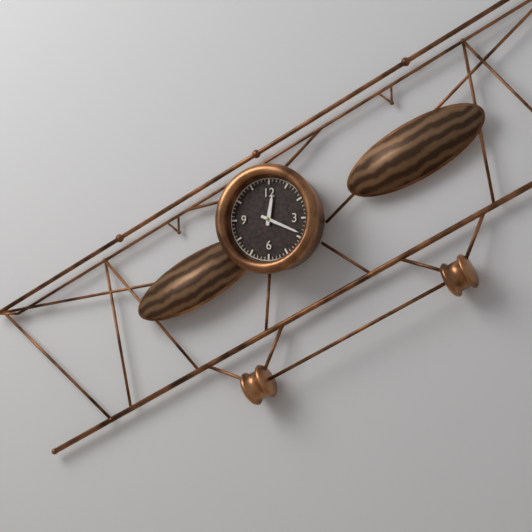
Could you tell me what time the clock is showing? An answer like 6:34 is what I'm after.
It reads 12:19
